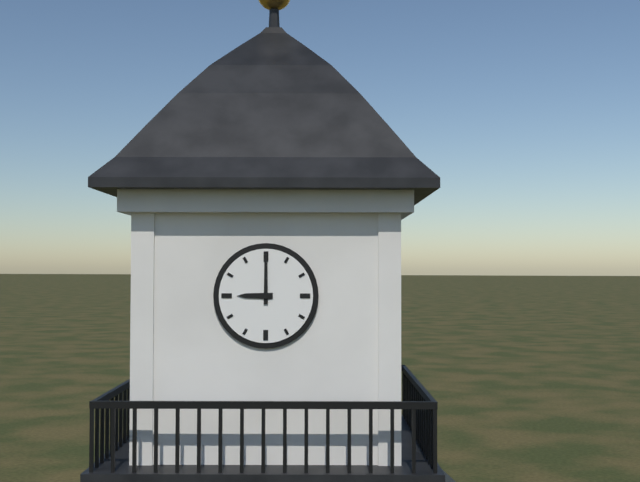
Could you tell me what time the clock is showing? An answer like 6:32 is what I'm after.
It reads 9:00
